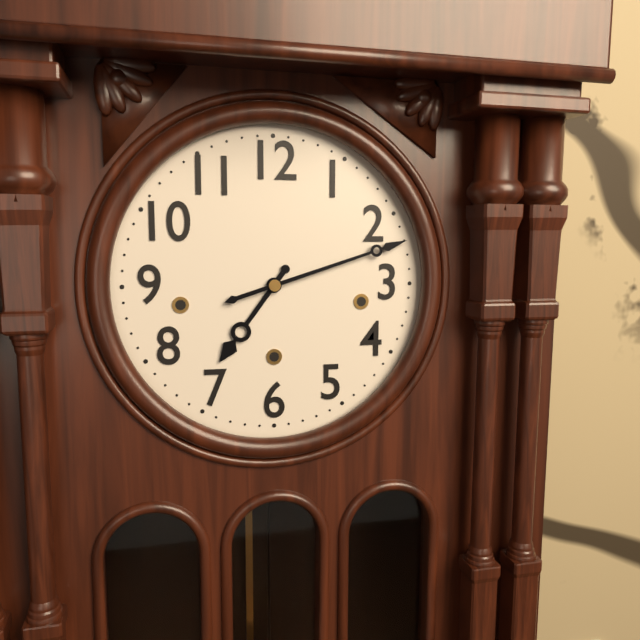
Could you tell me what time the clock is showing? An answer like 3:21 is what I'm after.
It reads 7:12
